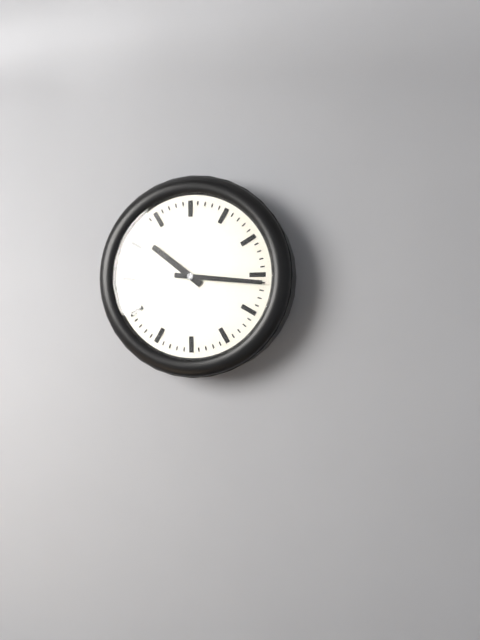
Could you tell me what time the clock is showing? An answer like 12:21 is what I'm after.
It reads 10:16
